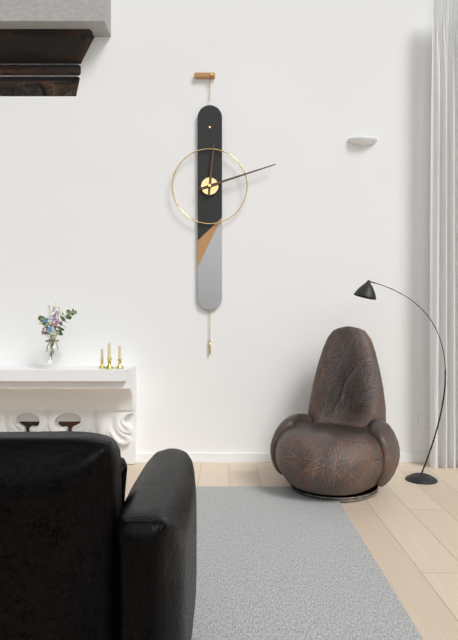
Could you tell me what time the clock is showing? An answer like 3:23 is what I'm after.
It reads 12:12
